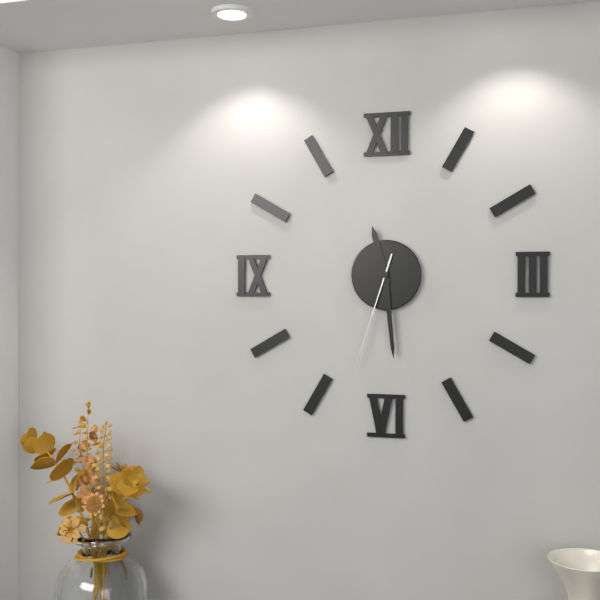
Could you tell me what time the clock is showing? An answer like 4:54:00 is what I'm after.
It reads 11:29:33
